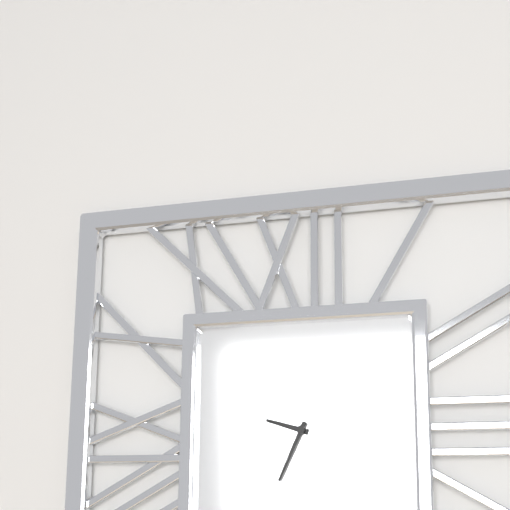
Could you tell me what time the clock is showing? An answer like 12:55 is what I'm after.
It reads 9:34
